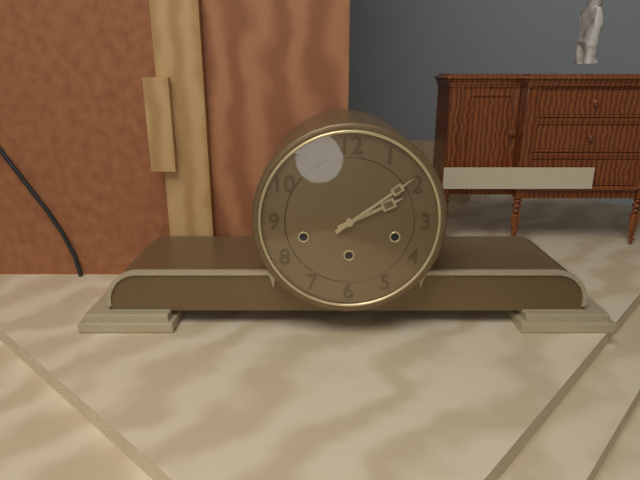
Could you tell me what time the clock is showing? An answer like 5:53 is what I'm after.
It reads 2:09
